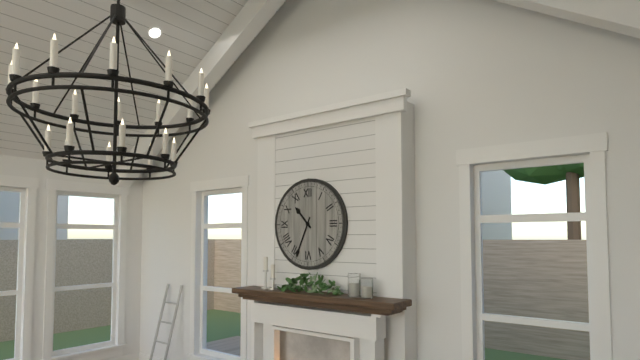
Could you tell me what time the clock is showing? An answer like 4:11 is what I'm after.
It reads 10:34
